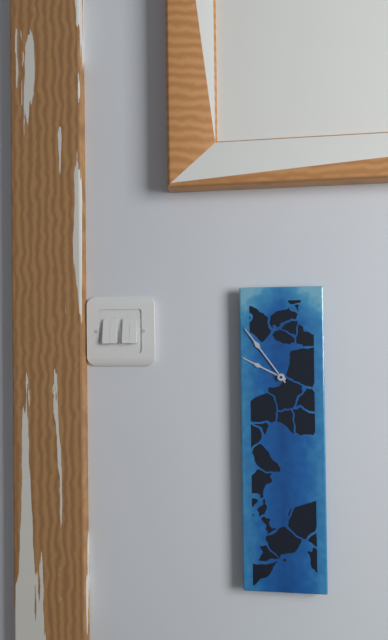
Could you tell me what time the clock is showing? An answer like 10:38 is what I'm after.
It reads 9:54
